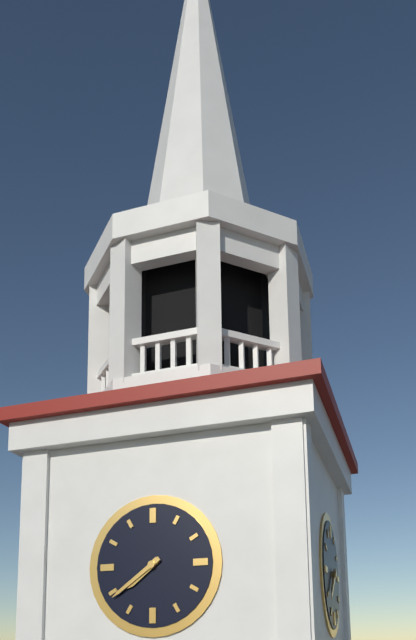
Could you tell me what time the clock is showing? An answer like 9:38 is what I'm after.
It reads 7:39
